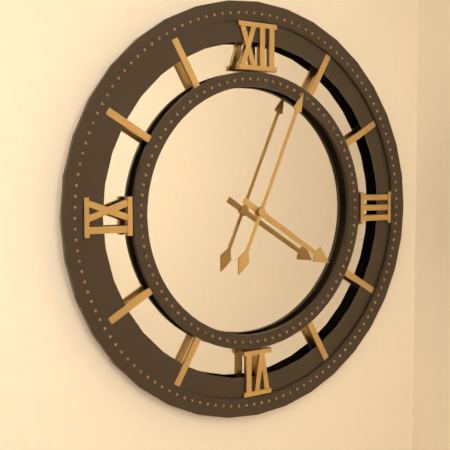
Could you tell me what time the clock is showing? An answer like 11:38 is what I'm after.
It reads 4:04
